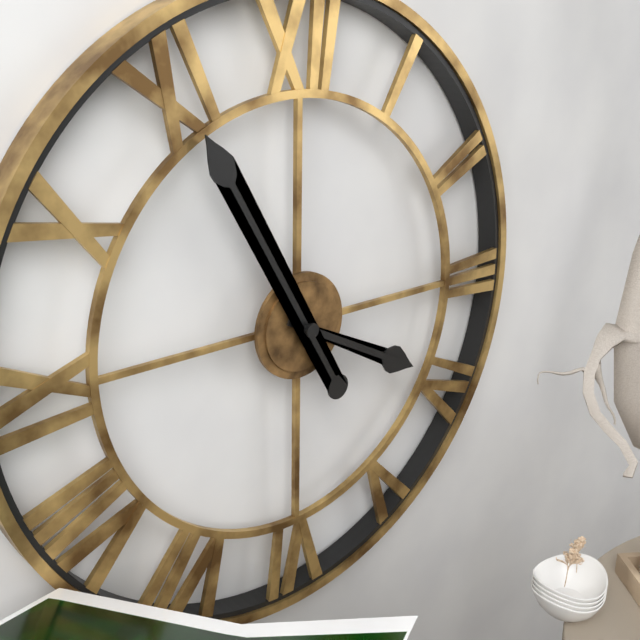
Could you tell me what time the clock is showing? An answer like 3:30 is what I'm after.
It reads 3:55
